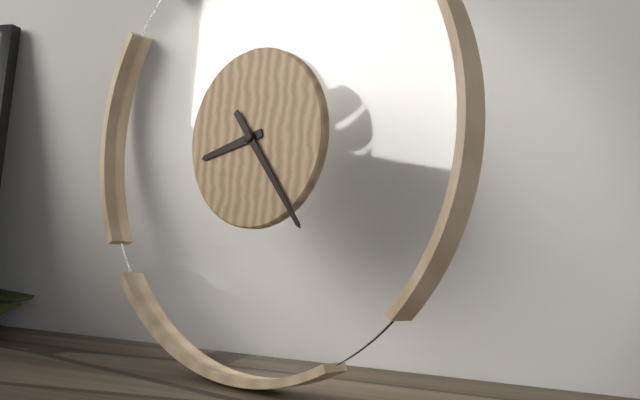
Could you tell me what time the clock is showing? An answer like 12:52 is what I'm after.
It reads 8:23
